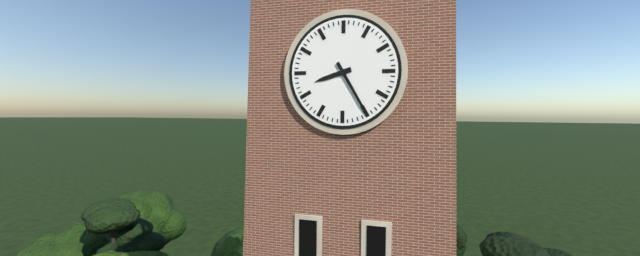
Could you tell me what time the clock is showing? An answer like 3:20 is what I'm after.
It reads 8:25
